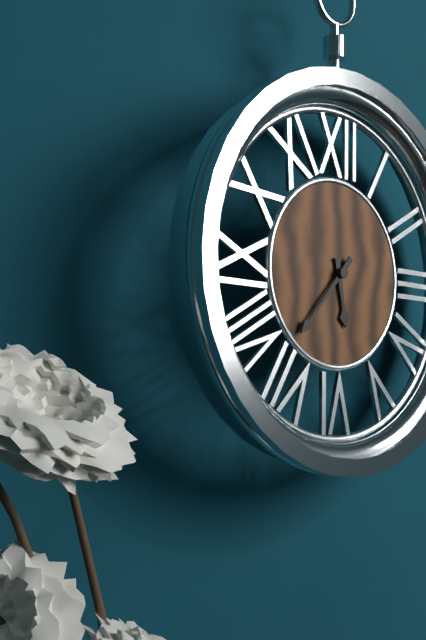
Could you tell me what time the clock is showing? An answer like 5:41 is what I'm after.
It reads 5:37
